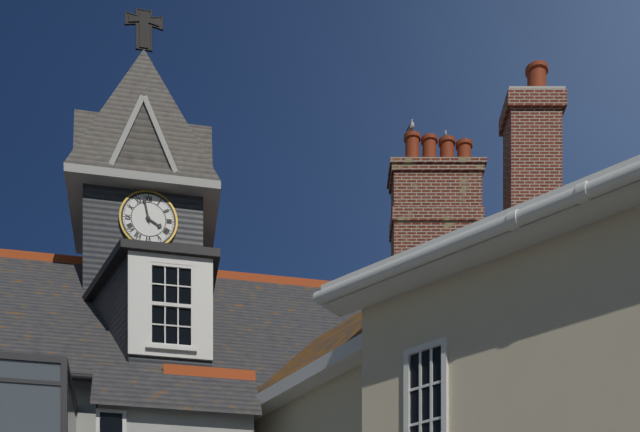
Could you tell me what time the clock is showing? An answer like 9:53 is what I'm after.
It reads 3:58
